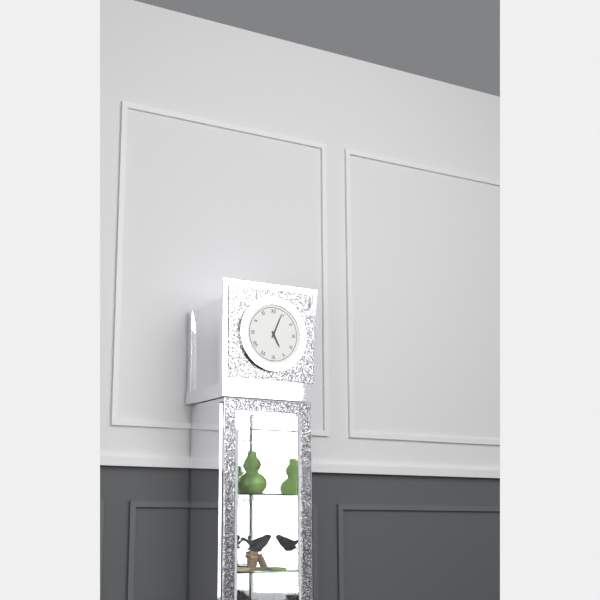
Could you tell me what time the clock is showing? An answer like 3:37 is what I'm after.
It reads 5:04
